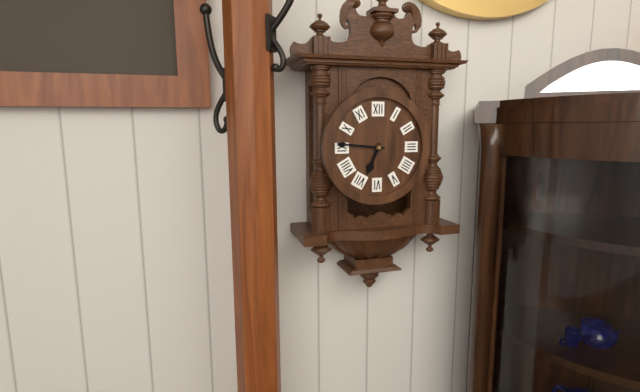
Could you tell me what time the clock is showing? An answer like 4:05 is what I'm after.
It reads 6:46
